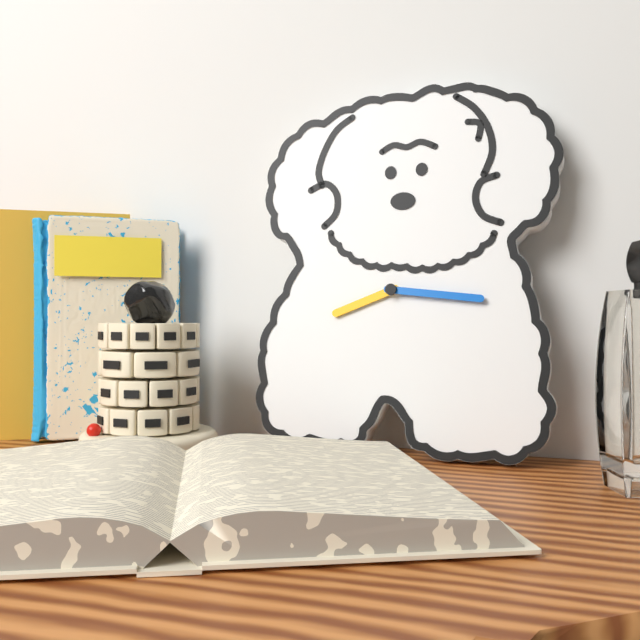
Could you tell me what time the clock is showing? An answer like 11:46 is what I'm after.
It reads 8:16
